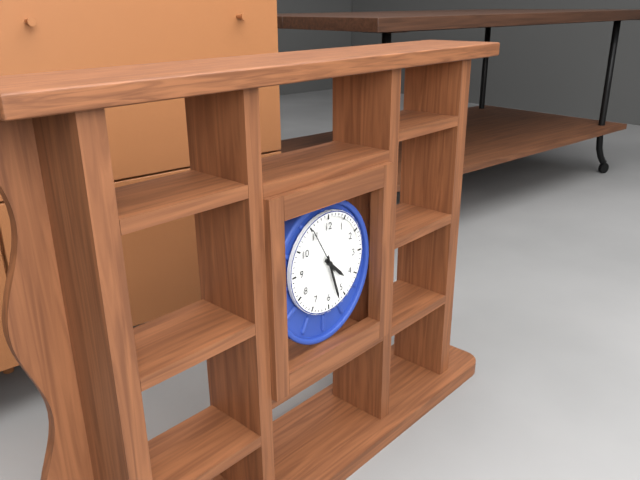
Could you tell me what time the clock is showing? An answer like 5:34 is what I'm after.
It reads 4:27
